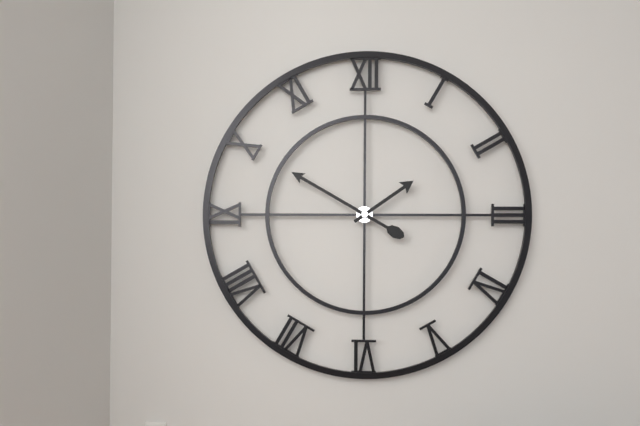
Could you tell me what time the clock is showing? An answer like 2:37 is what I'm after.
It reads 1:50
